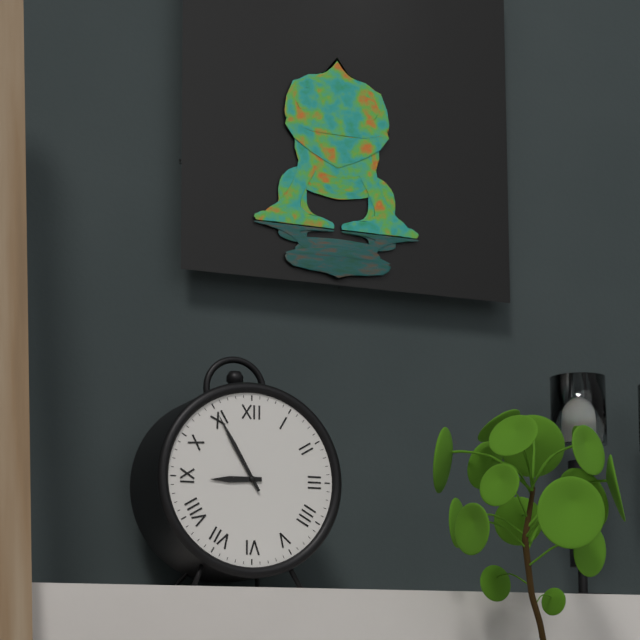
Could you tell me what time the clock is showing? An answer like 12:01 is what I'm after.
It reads 8:55
